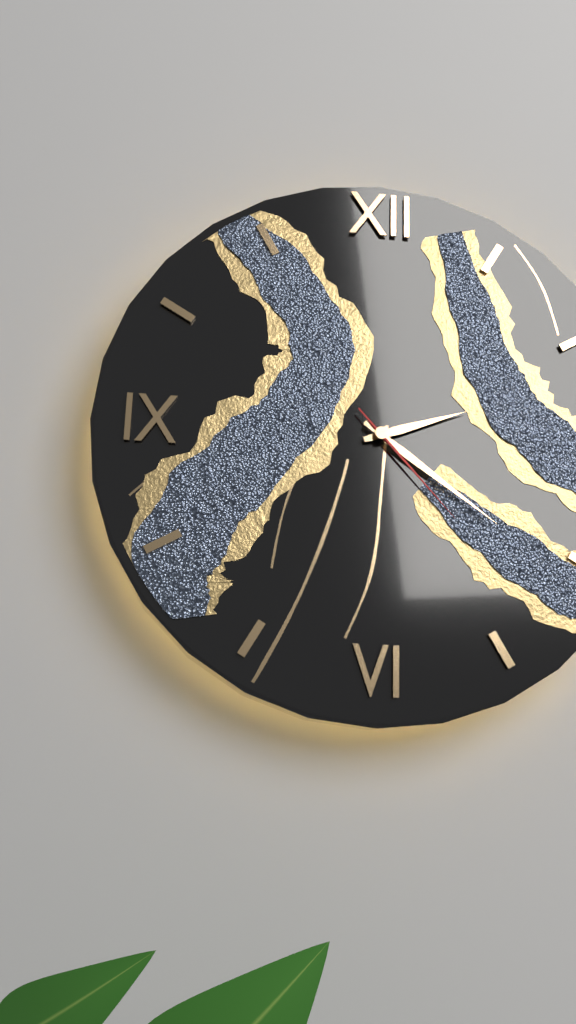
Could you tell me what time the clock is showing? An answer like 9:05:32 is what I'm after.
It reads 2:21:23
